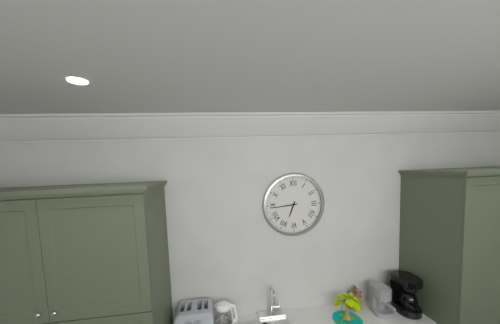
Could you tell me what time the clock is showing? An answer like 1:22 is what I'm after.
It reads 6:44
